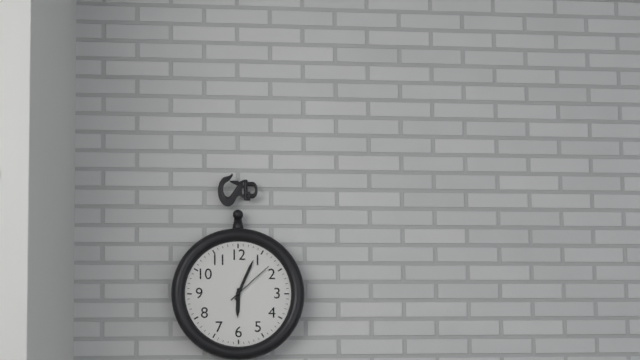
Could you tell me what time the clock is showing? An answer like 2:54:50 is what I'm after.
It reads 6:04:08
